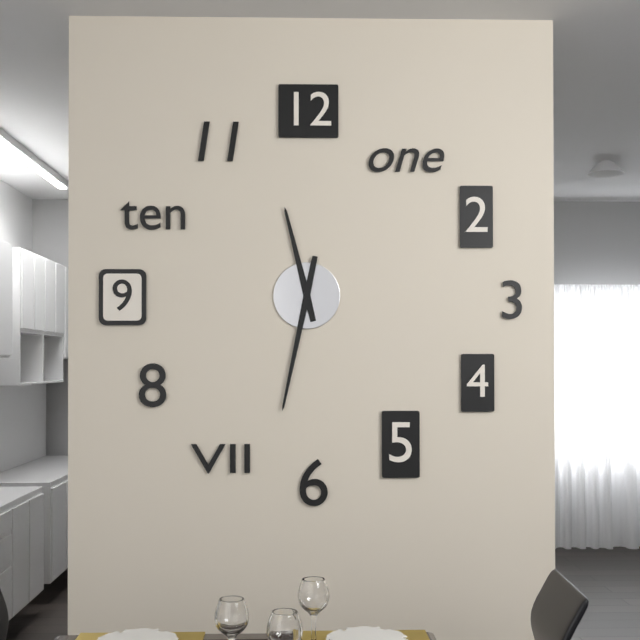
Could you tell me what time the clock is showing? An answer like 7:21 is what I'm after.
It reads 11:32
